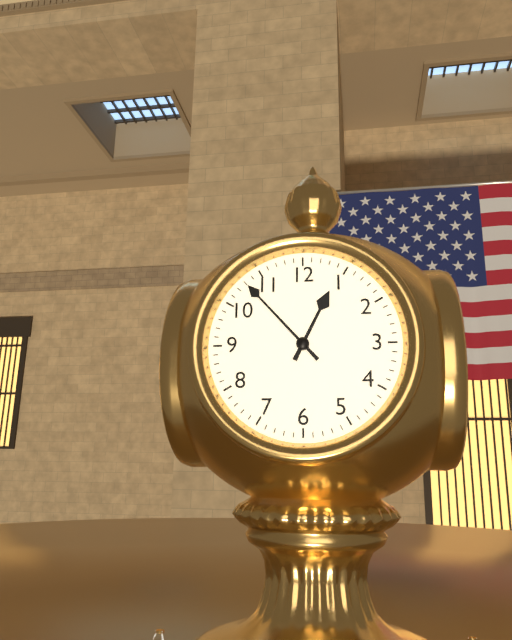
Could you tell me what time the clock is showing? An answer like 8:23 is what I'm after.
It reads 12:53
